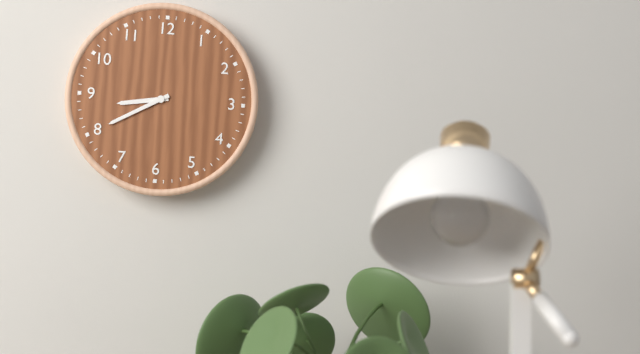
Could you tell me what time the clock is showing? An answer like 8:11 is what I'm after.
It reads 8:40
